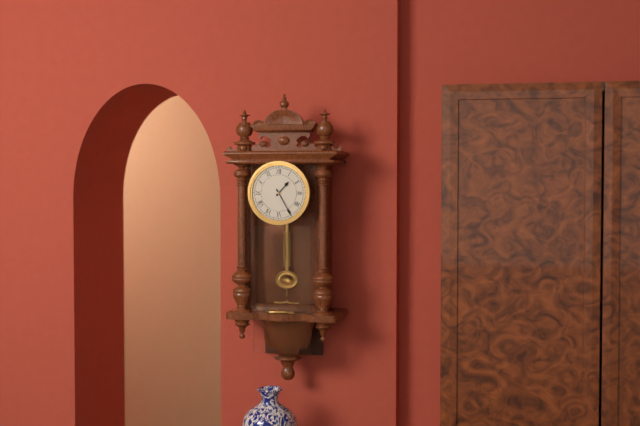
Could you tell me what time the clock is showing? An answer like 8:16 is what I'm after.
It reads 1:25
